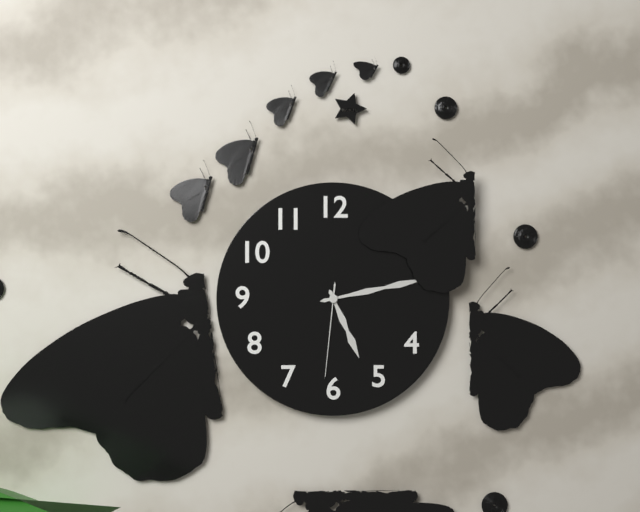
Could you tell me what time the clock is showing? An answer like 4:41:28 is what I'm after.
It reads 5:13:31
